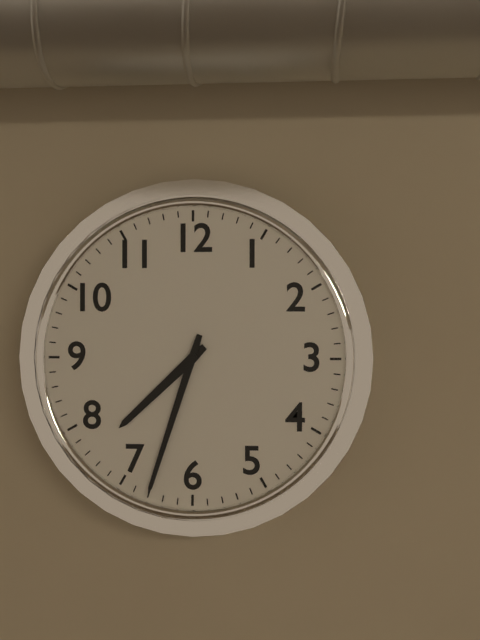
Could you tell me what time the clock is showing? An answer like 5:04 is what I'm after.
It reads 7:33
